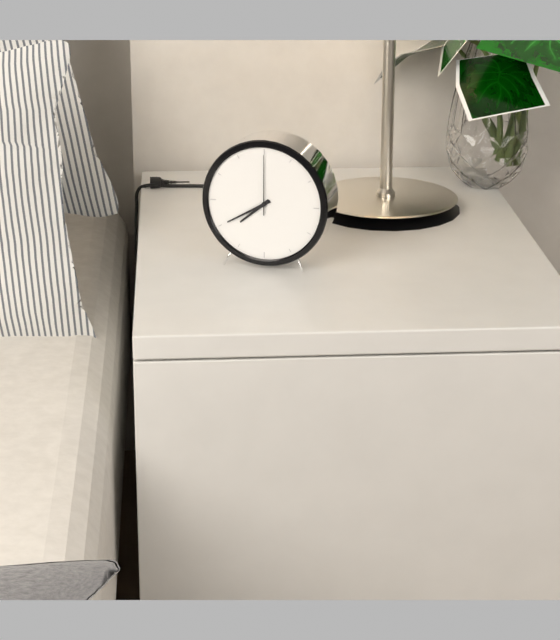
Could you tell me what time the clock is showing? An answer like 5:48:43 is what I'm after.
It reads 7:40:00
